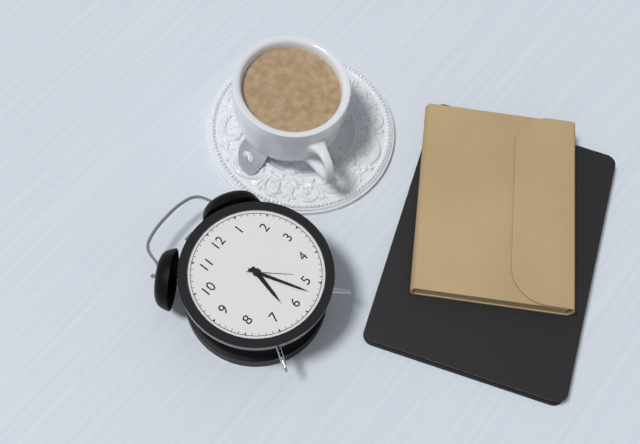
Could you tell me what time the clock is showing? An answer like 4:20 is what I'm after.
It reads 6:27
